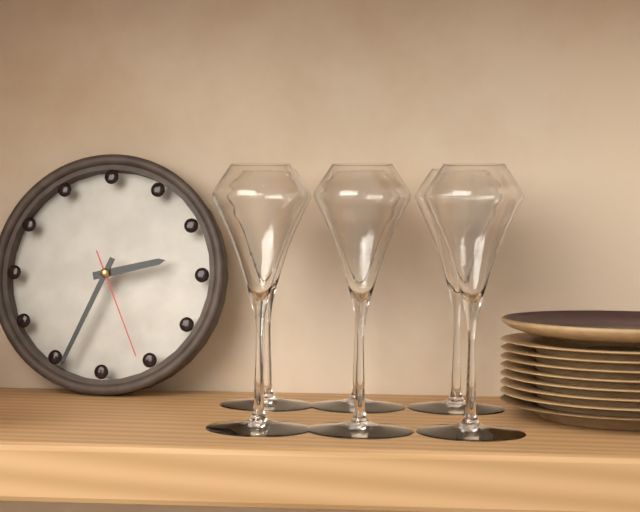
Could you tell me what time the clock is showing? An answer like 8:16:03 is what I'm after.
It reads 2:34:26
